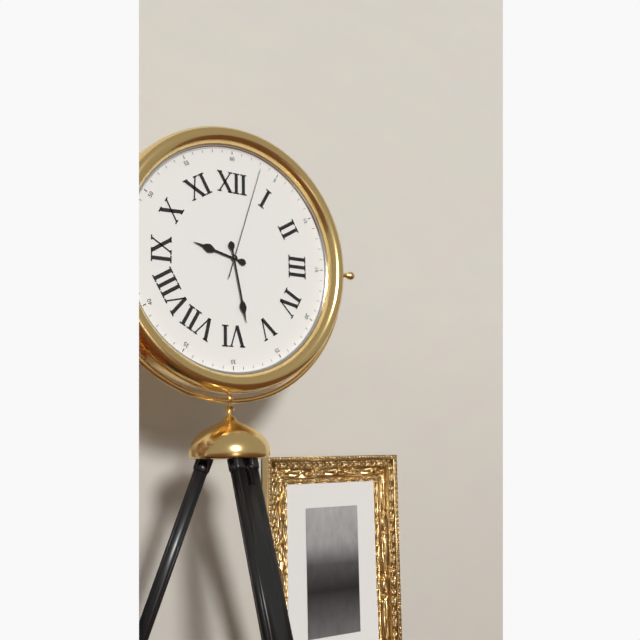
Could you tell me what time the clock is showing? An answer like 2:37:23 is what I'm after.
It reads 9:28:03
